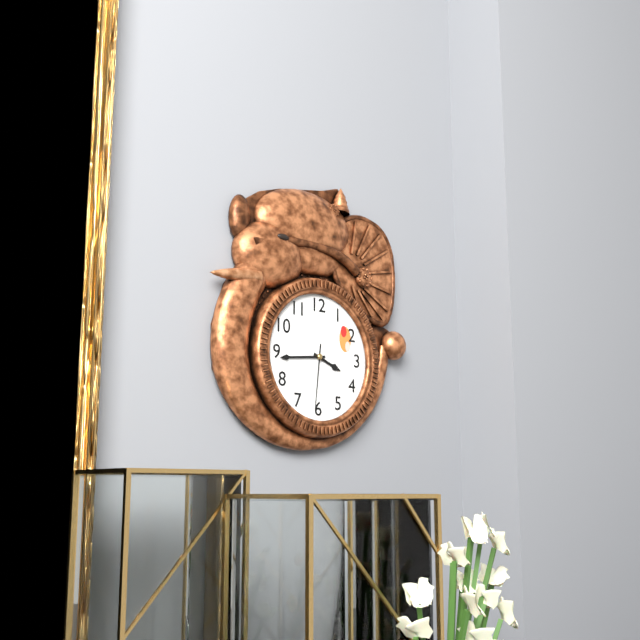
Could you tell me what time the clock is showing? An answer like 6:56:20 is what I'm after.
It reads 3:44:31
